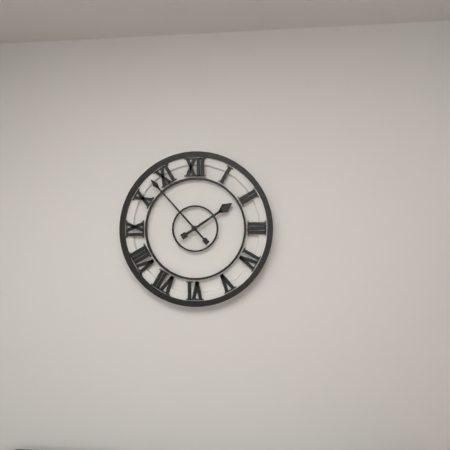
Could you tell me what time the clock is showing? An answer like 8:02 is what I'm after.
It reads 1:53
